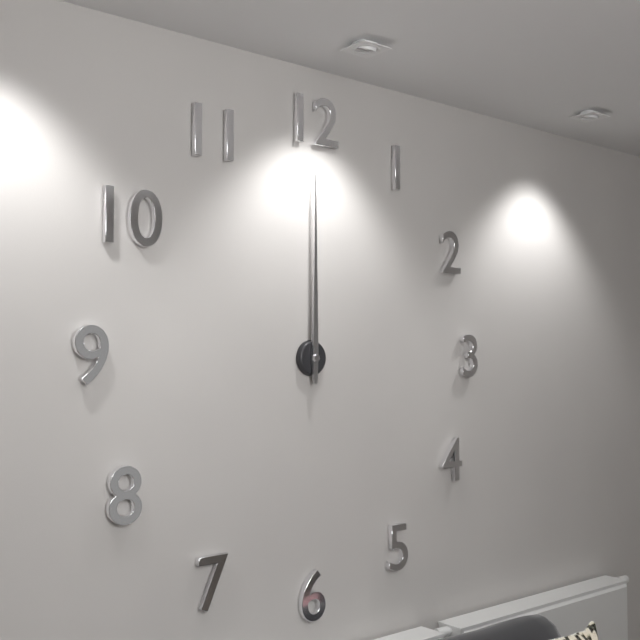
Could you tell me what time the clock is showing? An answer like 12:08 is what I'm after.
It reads 12:00
